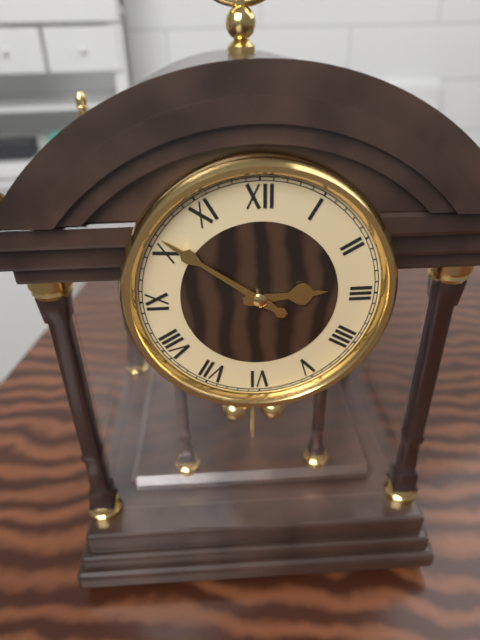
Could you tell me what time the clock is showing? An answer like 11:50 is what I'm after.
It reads 2:51
